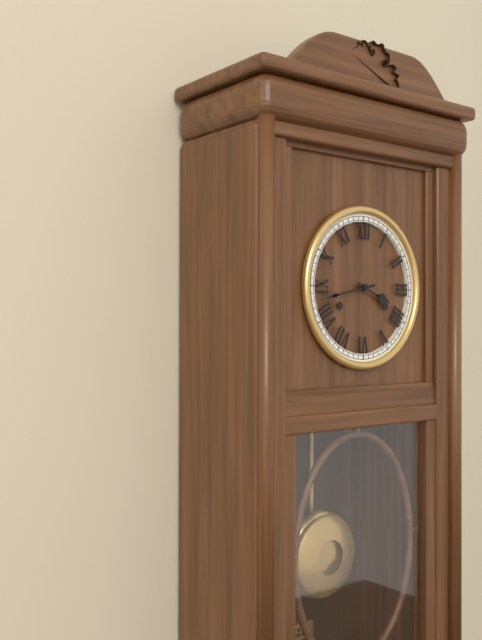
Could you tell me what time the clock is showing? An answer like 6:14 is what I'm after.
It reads 3:43
